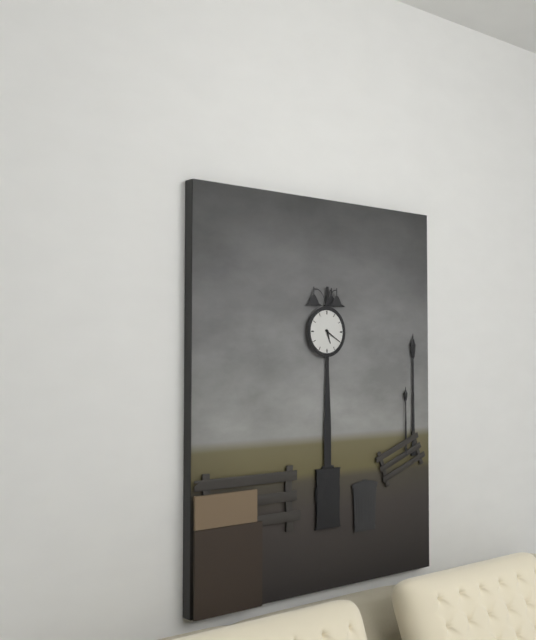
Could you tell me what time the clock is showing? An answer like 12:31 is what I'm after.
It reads 5:20
